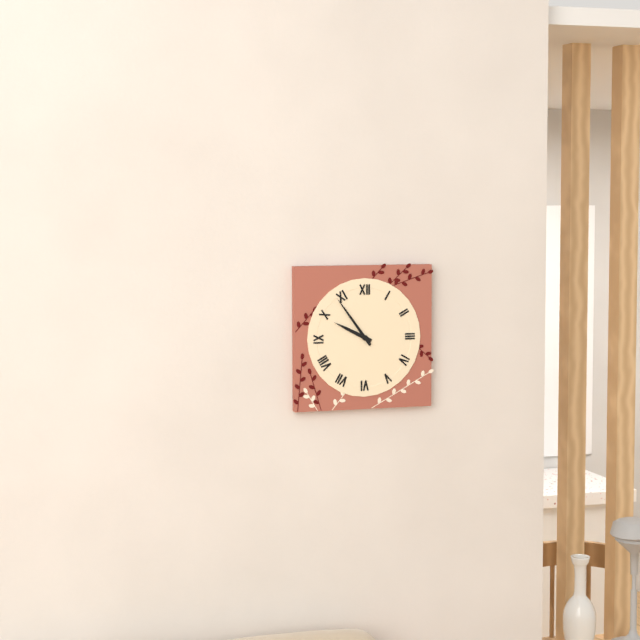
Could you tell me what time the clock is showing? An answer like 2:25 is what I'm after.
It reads 9:54
